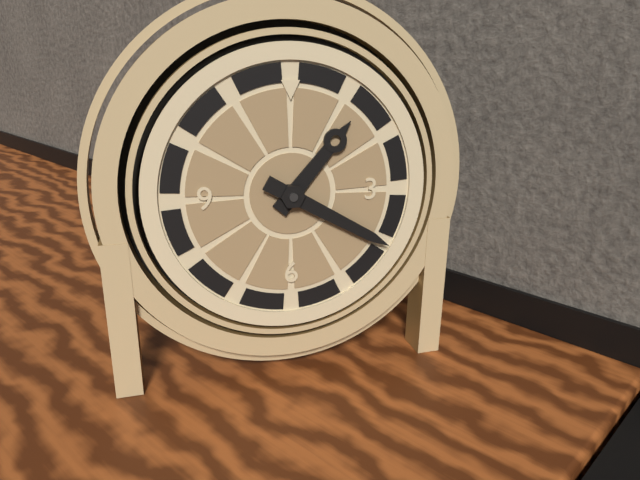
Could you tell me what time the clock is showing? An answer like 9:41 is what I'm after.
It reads 1:20
